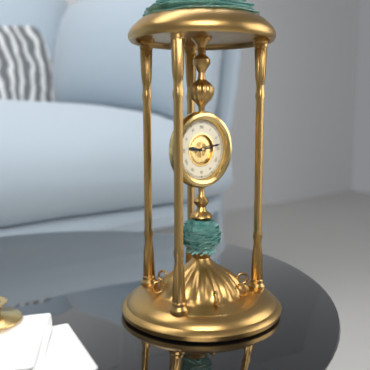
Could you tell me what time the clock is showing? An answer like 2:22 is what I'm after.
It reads 9:13
